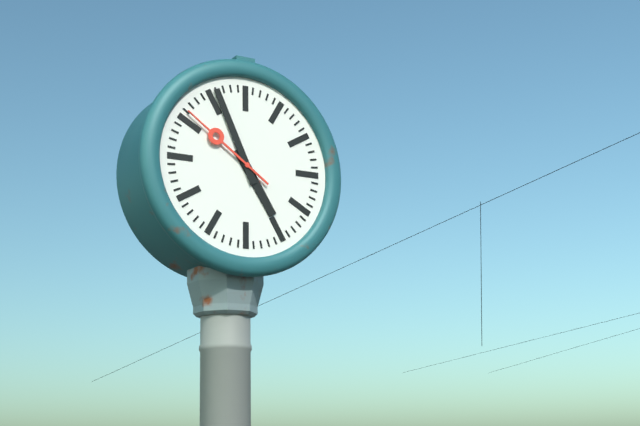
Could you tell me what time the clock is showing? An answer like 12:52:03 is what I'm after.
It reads 4:56:51
